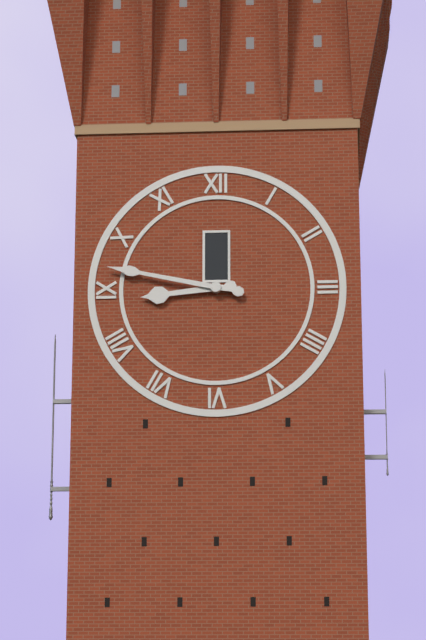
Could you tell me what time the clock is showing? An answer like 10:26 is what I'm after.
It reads 8:47
